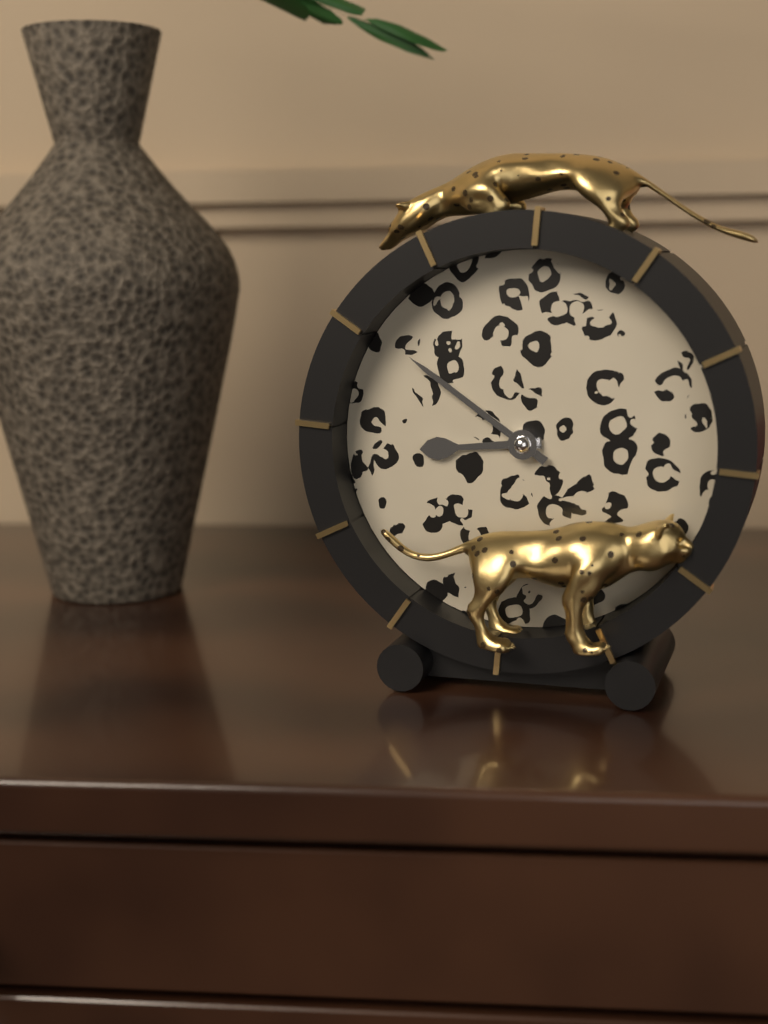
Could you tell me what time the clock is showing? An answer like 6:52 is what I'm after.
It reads 8:51
